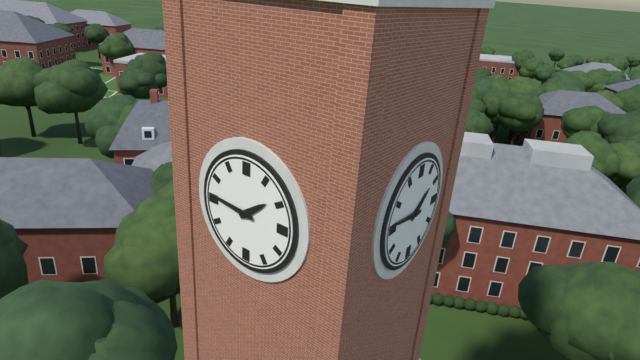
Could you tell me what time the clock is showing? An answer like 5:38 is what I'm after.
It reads 1:46
